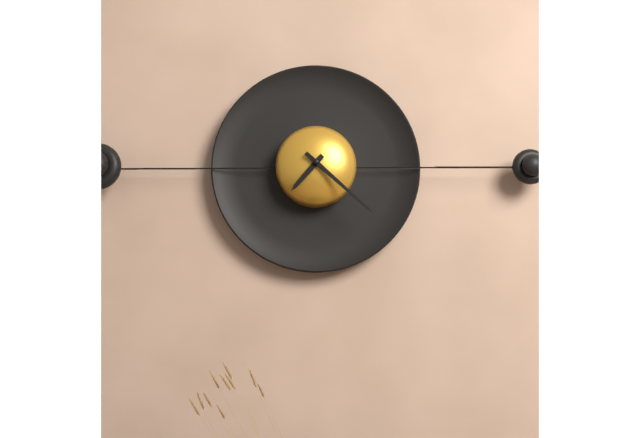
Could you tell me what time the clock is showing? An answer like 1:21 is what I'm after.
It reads 7:22
